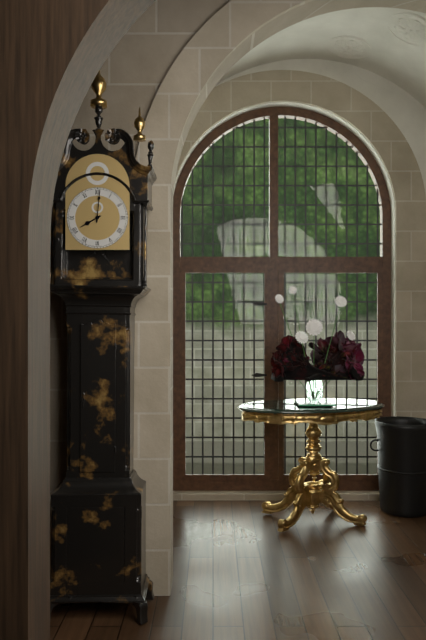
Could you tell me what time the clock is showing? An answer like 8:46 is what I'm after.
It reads 8:01
